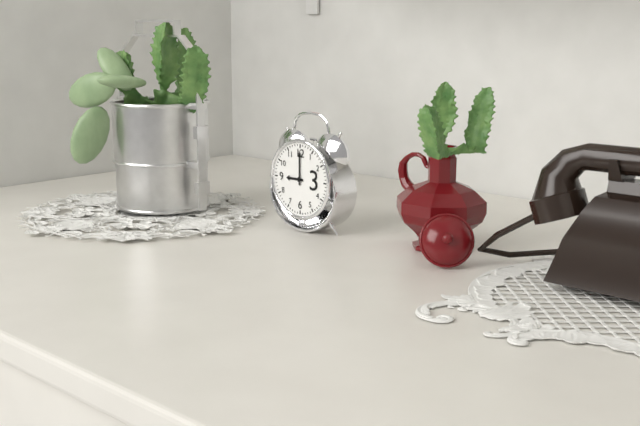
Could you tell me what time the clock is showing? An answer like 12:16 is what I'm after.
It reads 9:00
